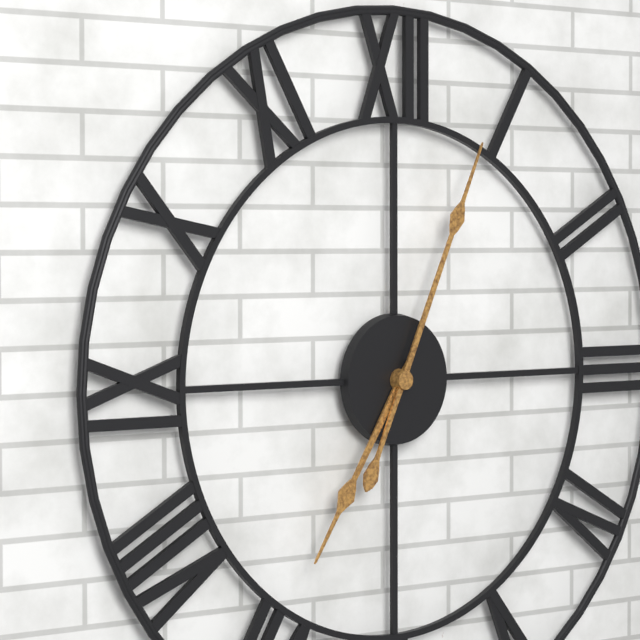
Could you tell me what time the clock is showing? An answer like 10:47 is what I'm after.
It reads 7:04
